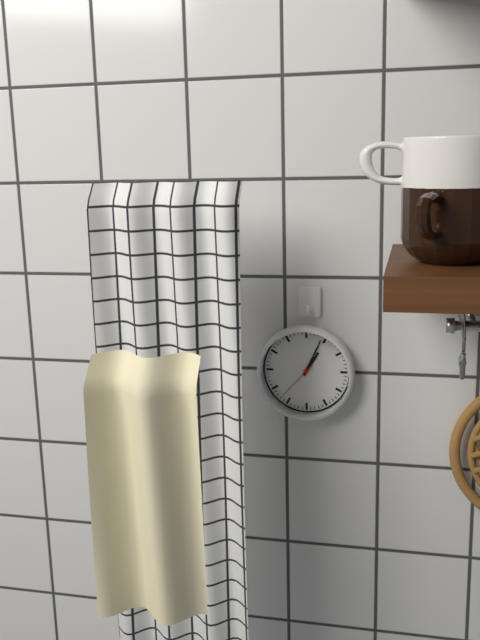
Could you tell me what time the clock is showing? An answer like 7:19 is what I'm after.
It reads 1:04
